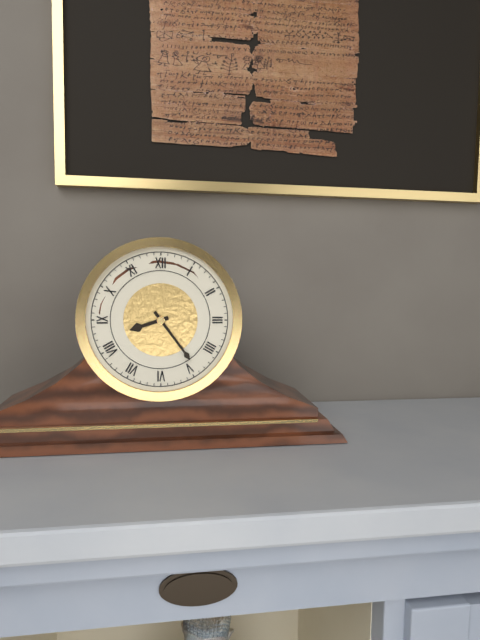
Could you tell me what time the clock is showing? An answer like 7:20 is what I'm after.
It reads 8:24
